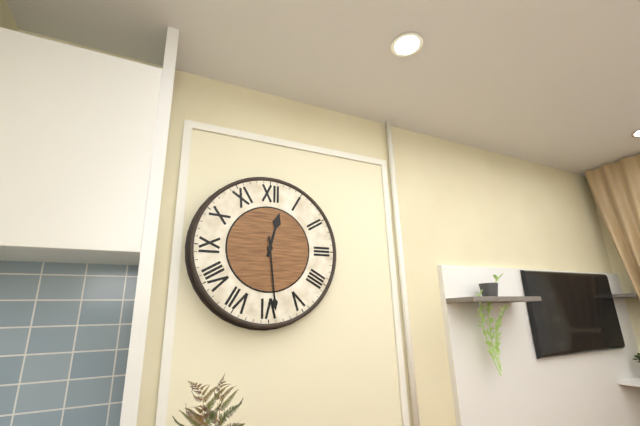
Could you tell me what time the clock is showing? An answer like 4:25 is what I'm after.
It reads 12:29
